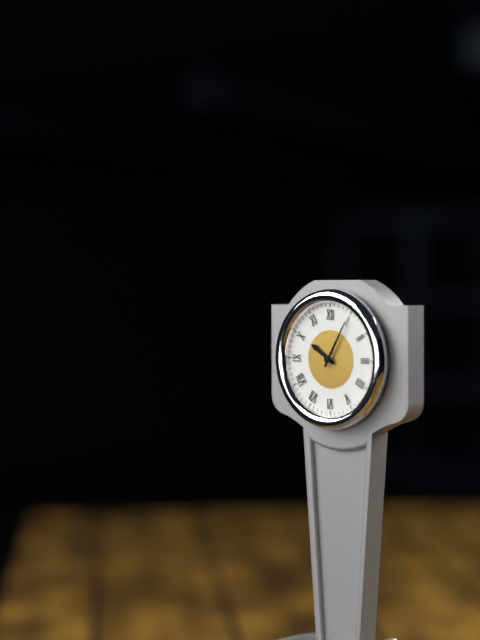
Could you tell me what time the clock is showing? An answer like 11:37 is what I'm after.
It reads 10:05
